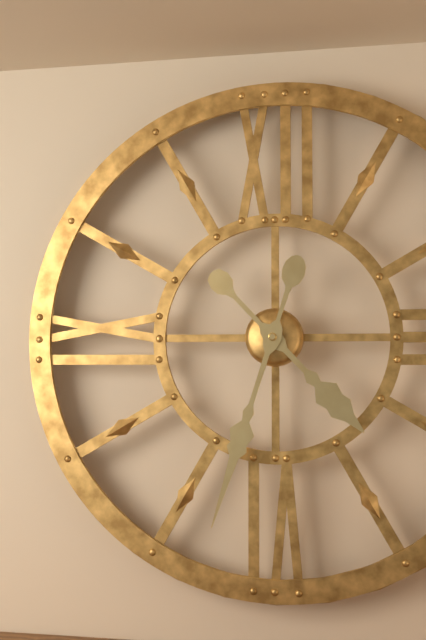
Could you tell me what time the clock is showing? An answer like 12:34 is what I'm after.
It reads 4:33
